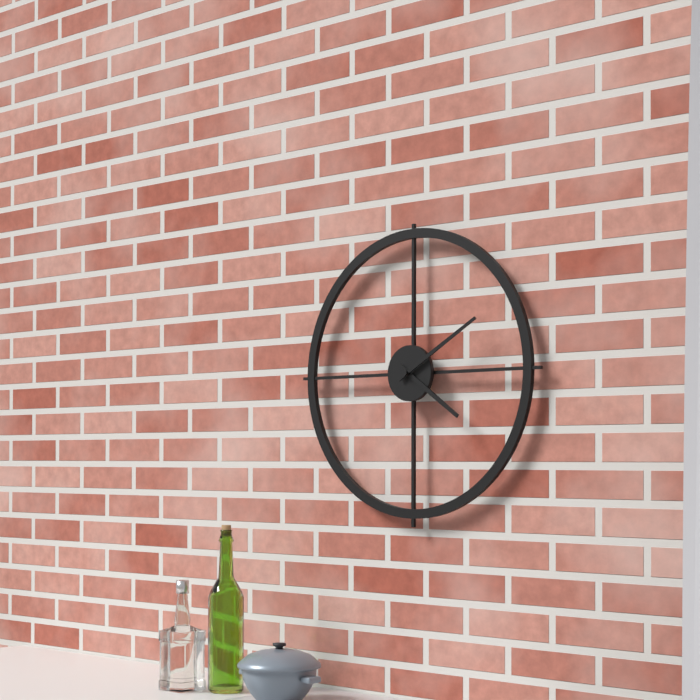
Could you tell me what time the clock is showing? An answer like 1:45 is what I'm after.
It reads 4:10
